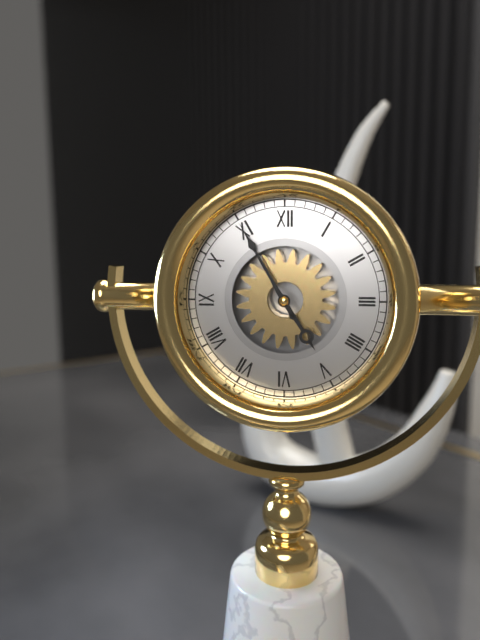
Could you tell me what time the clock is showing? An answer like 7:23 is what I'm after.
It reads 4:55
